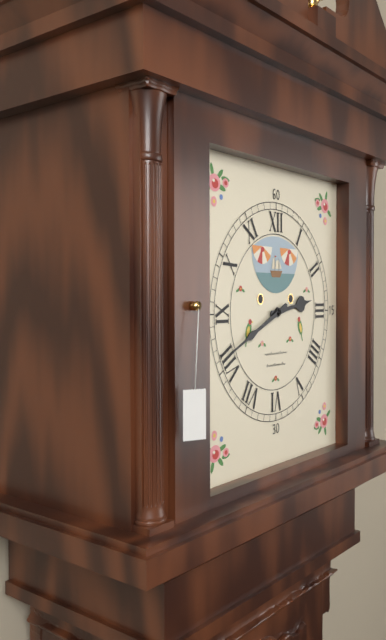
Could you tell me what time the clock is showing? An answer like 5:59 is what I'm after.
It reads 2:41
